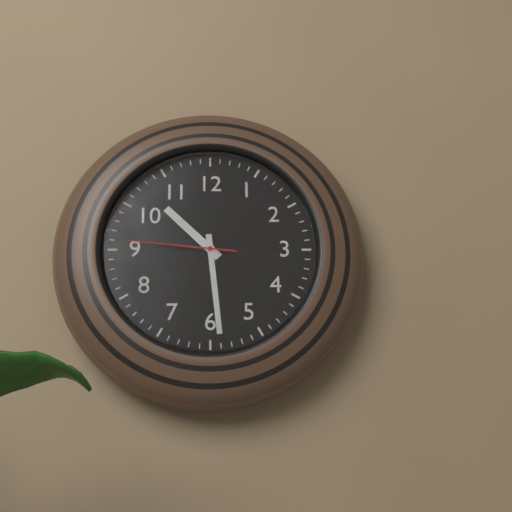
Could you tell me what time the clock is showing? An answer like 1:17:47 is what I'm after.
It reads 10:29:46
